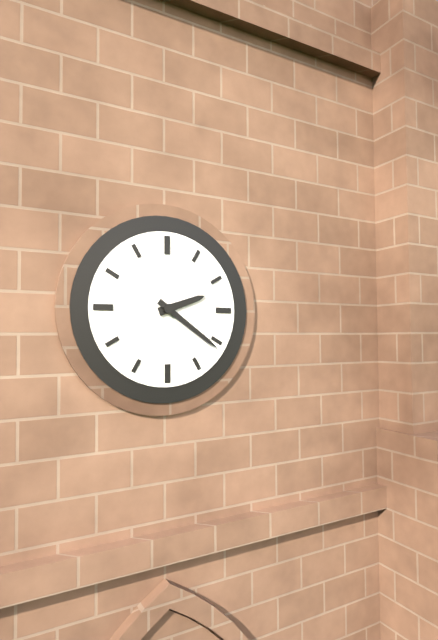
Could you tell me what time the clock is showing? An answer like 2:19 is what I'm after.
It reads 2:21
